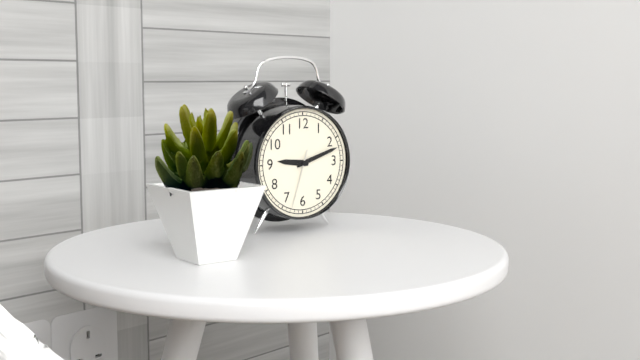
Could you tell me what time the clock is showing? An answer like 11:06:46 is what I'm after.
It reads 9:12:33
